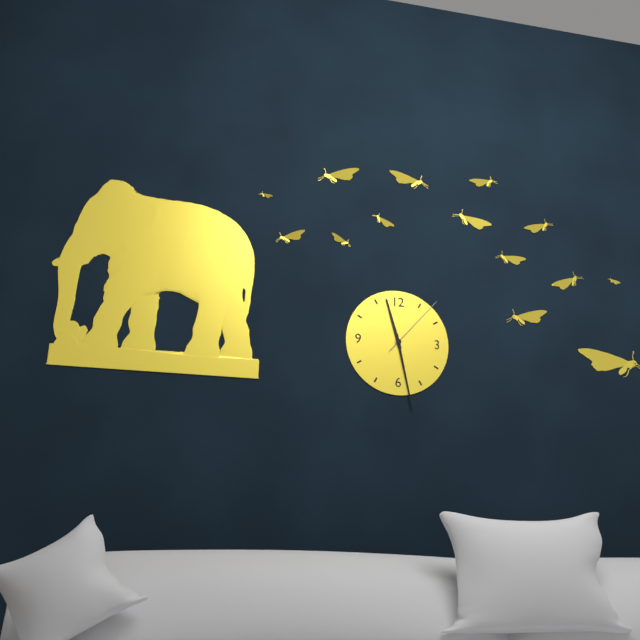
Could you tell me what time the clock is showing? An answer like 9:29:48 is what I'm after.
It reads 11:28:07
